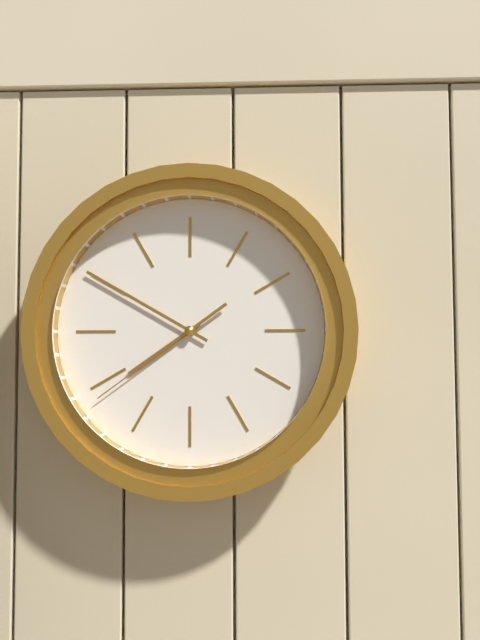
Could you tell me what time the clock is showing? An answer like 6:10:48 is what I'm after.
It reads 7:50:39
